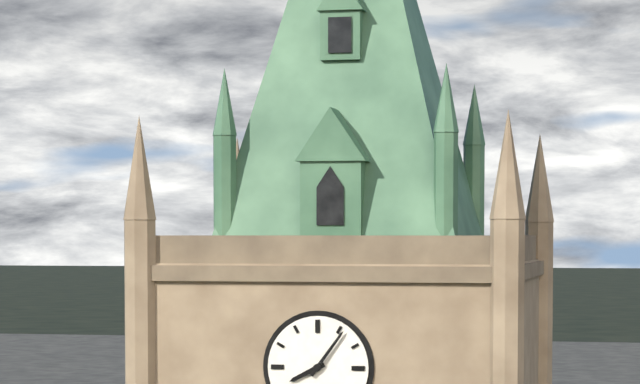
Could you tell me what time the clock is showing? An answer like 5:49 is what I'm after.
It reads 8:06
